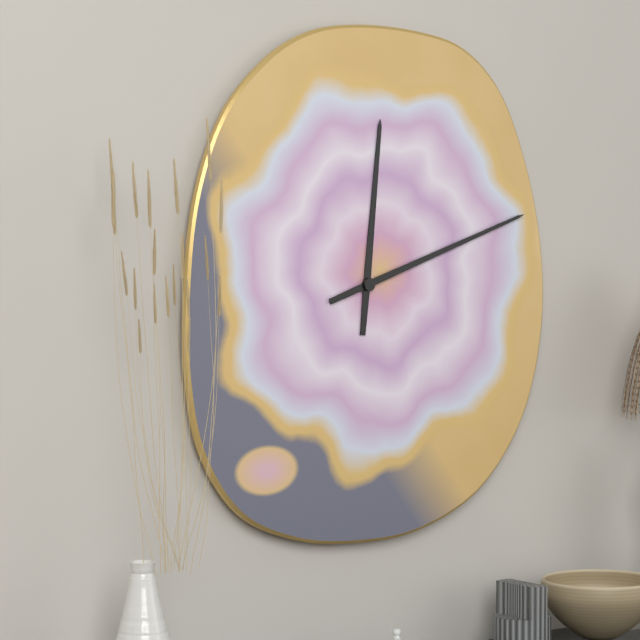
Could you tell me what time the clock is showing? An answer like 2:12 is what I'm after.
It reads 12:12
